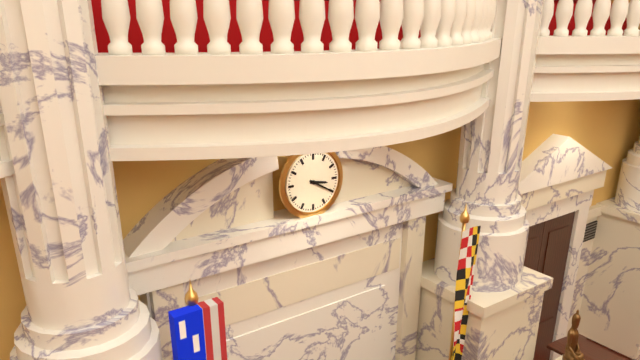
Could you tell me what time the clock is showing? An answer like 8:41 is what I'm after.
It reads 3:20
